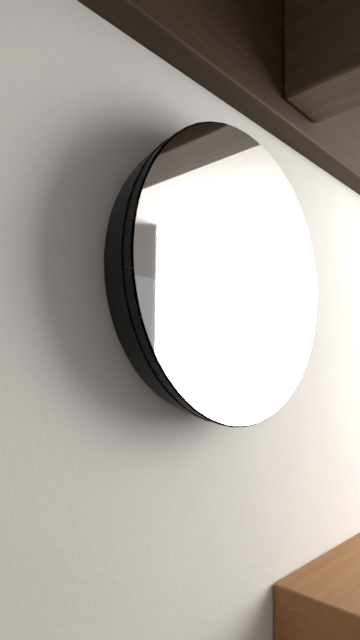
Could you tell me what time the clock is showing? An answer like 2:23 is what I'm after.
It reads 8:31
